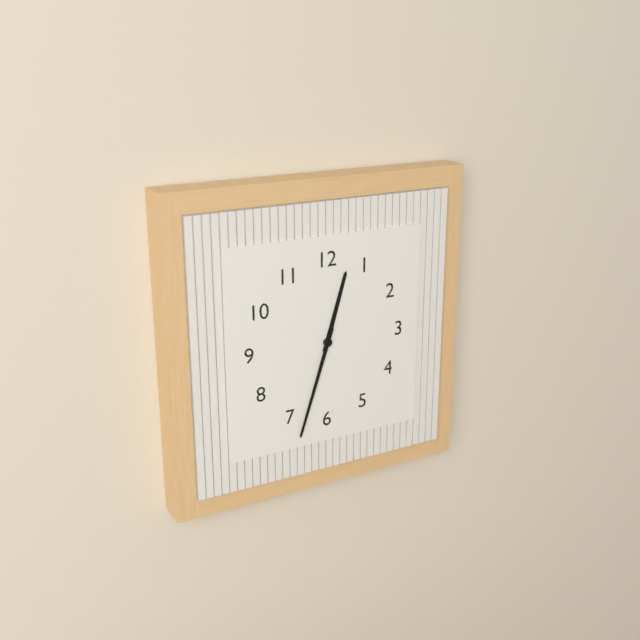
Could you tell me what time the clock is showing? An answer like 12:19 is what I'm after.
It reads 12:33
